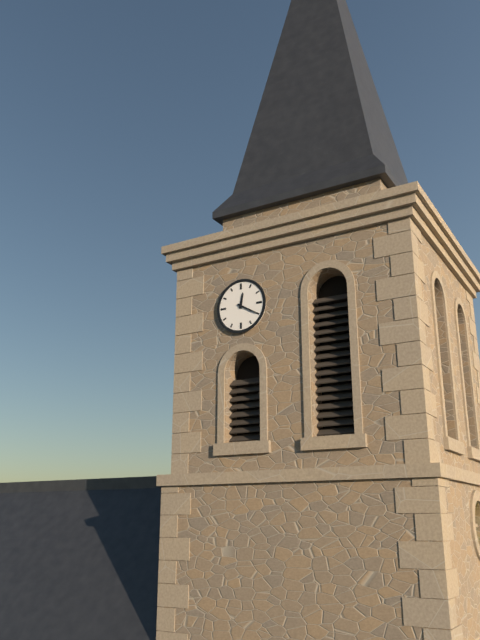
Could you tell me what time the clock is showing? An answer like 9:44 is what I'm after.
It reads 12:20
